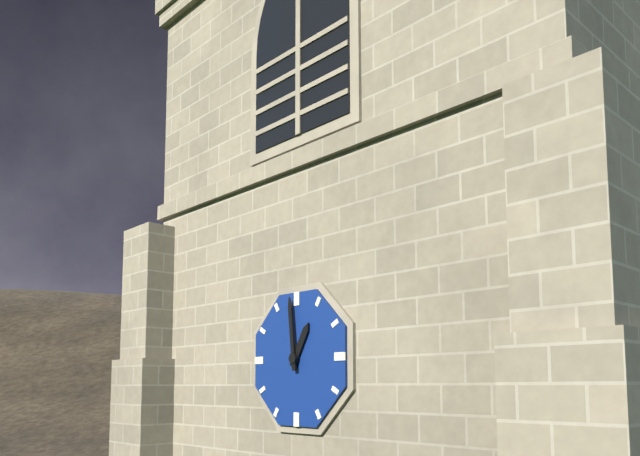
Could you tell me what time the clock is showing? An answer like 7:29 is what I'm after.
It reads 12:59
